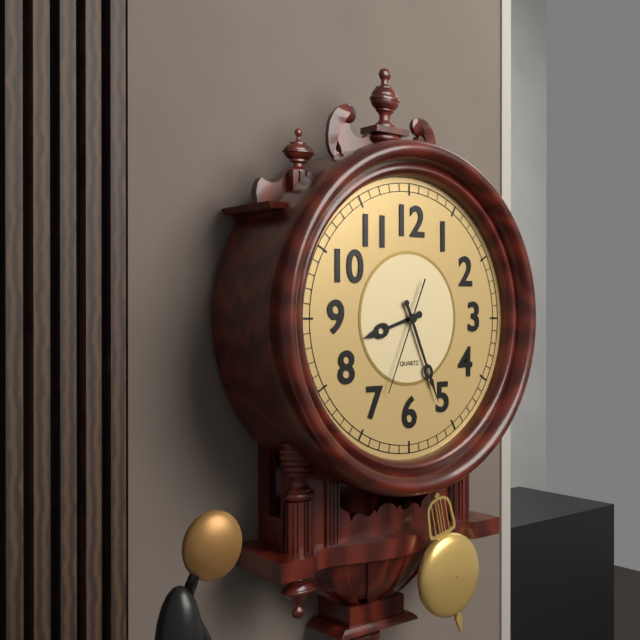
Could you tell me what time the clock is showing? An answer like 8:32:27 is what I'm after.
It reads 8:26:34
